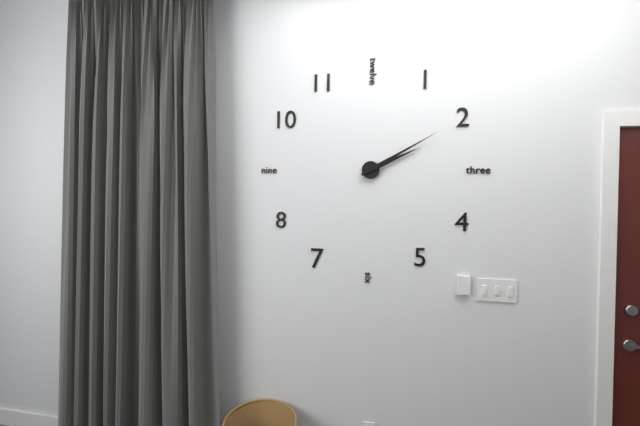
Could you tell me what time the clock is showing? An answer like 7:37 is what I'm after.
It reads 2:10
